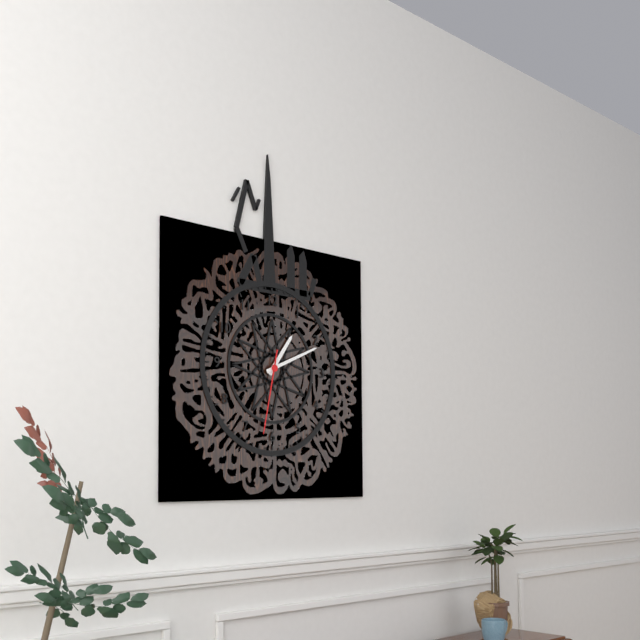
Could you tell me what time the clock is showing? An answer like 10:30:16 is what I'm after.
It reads 1:11:32
